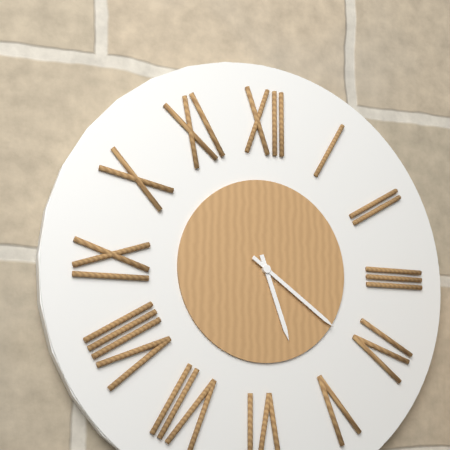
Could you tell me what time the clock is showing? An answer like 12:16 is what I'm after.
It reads 5:21
